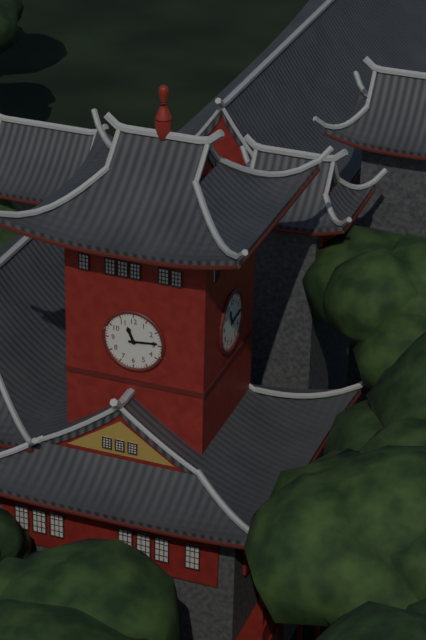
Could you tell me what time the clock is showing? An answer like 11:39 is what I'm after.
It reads 11:14
